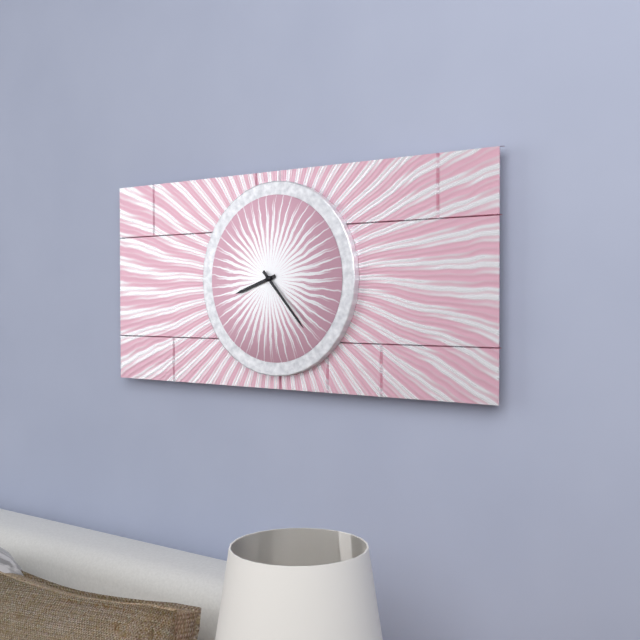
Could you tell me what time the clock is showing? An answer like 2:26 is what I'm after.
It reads 8:23
